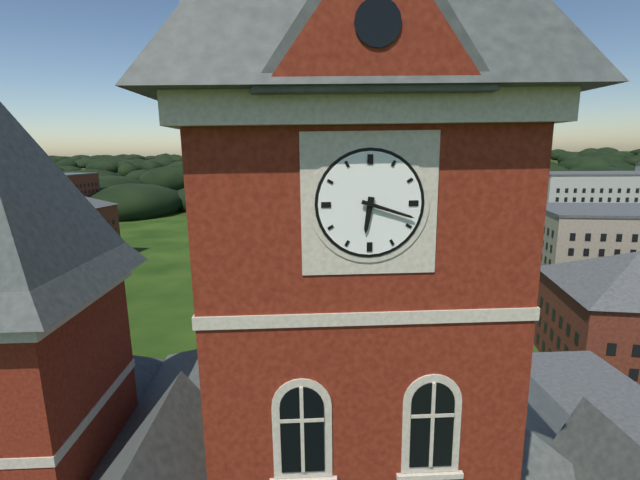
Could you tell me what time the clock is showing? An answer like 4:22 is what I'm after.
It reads 6:18
